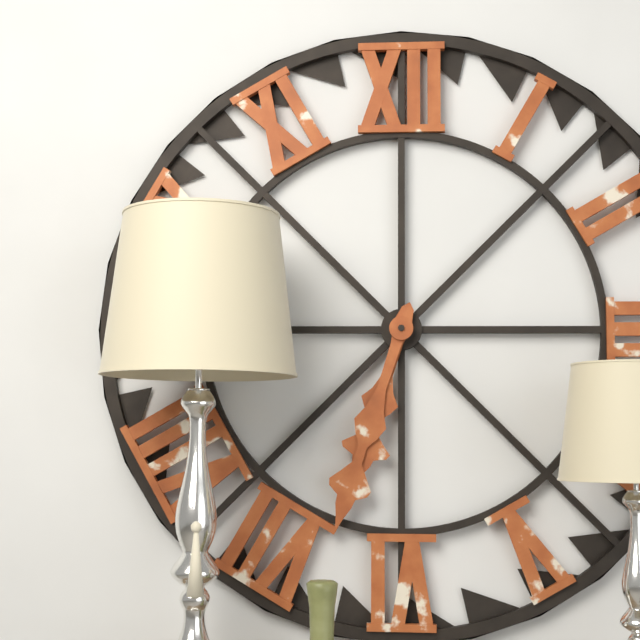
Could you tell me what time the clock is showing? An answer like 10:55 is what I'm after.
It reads 6:33
